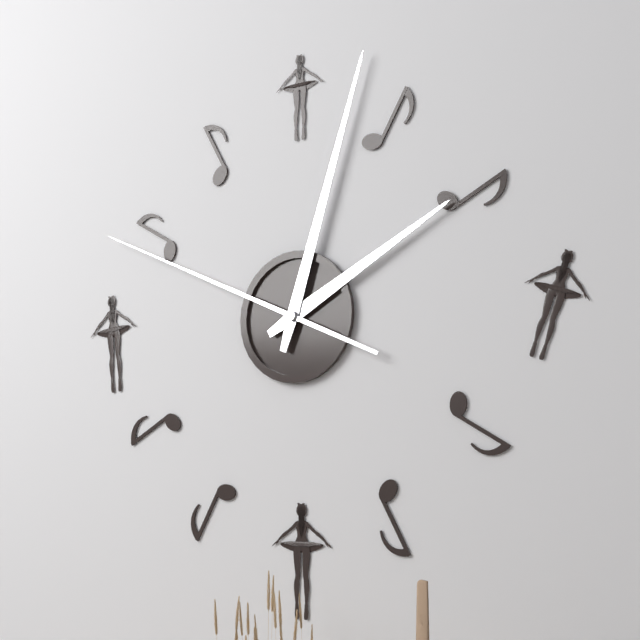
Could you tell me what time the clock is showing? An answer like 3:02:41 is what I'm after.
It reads 2:03:49
